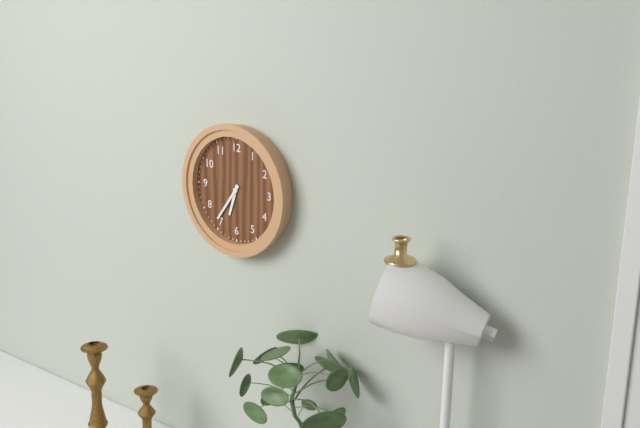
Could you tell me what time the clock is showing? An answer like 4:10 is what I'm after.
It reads 6:36
